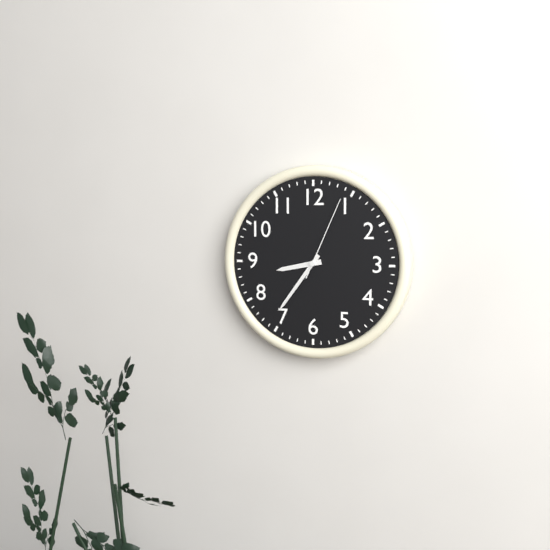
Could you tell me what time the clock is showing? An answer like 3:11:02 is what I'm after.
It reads 8:36:04
